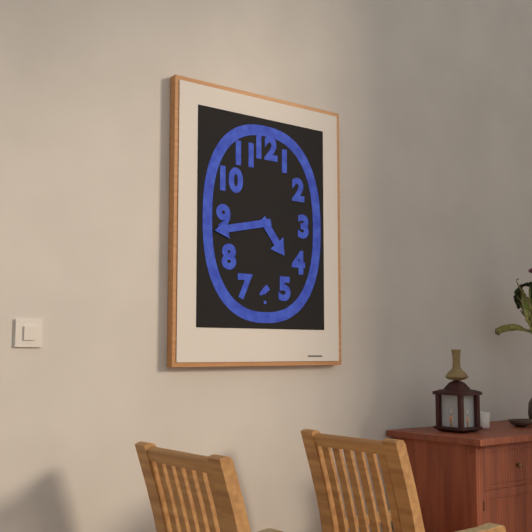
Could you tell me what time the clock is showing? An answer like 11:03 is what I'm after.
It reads 4:43
